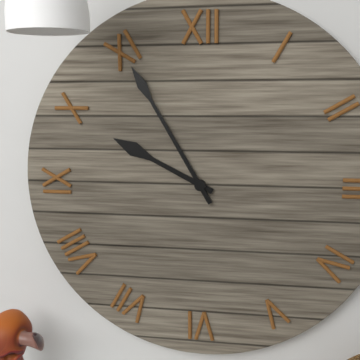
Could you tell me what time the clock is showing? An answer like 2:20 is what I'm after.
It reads 9:55
